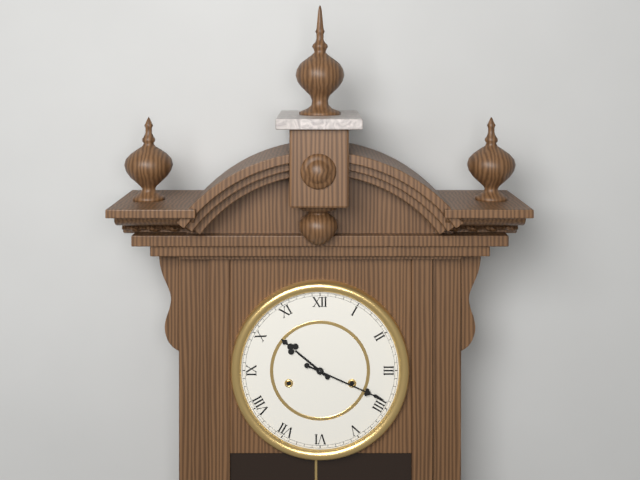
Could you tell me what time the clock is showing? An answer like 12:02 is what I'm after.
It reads 10:19
